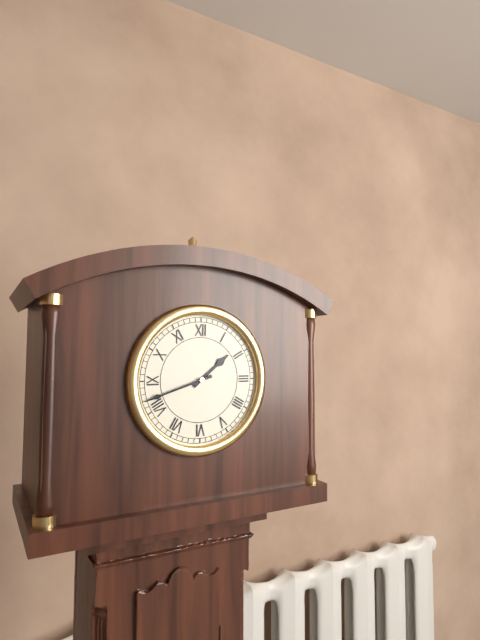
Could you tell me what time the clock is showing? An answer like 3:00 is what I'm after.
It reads 1:42
